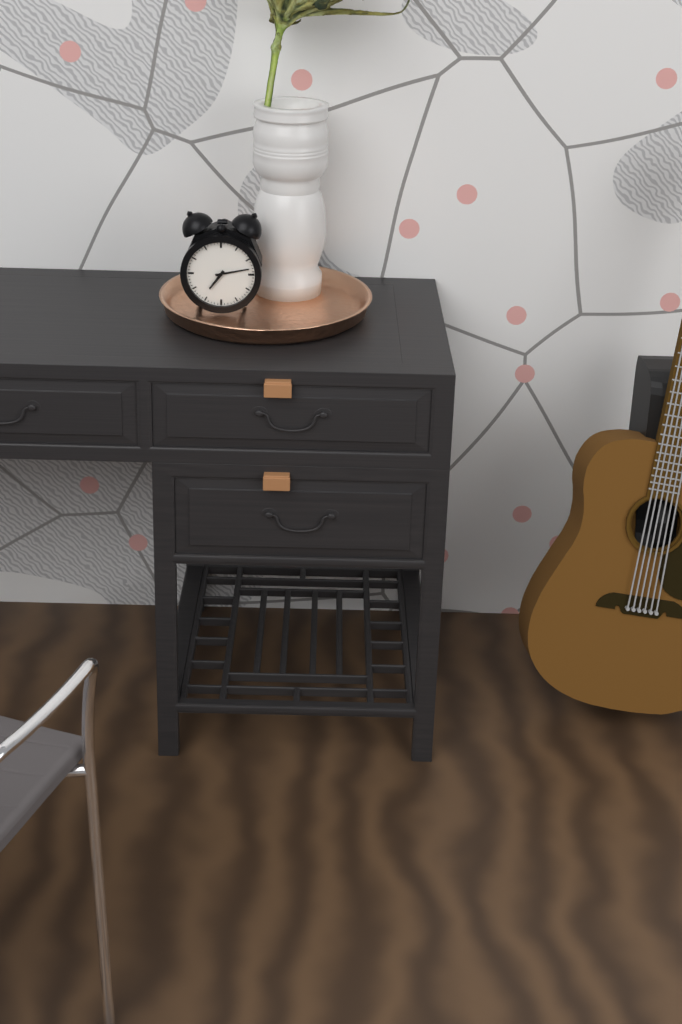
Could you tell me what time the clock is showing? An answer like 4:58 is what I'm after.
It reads 7:13
